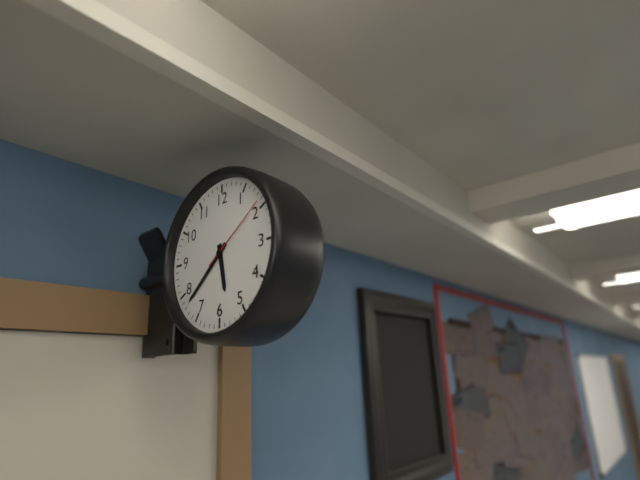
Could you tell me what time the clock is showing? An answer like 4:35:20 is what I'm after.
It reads 5:38:09
